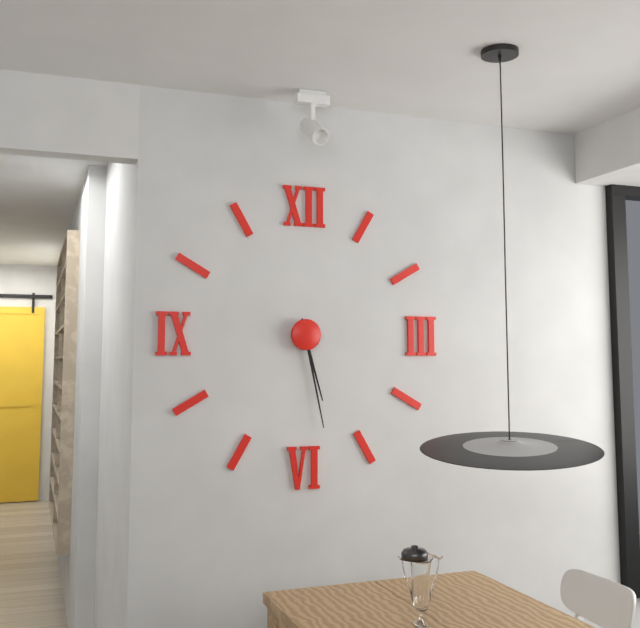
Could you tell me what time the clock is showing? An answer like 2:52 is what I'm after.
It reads 5:28
